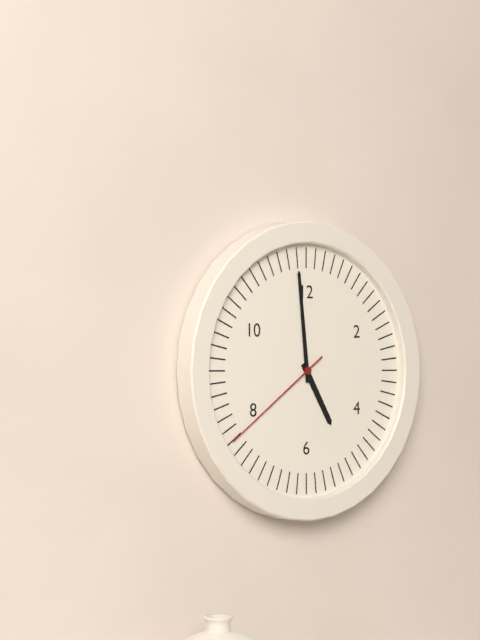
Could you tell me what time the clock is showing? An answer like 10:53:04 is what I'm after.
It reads 4:59:39
